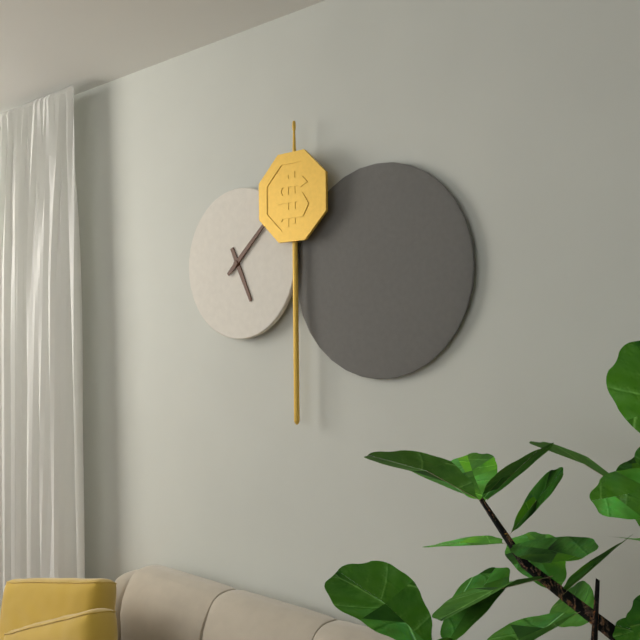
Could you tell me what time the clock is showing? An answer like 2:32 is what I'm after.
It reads 5:08
